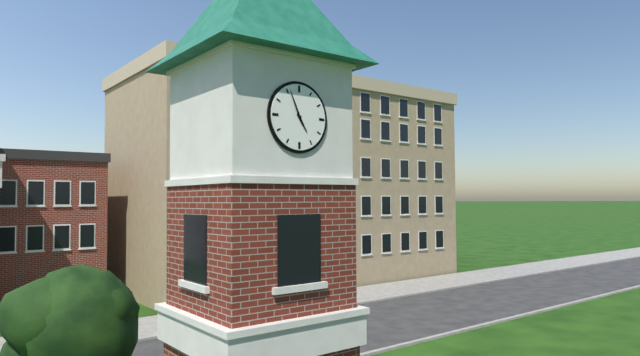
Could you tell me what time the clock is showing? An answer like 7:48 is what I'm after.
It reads 4:56
